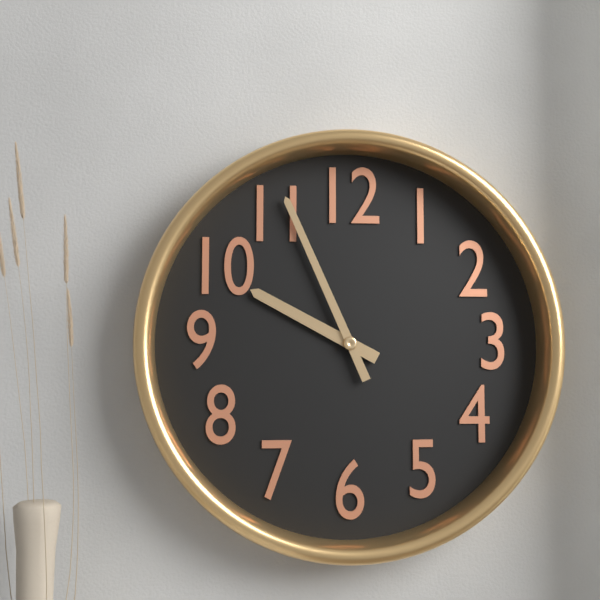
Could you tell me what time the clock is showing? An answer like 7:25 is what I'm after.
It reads 9:56
